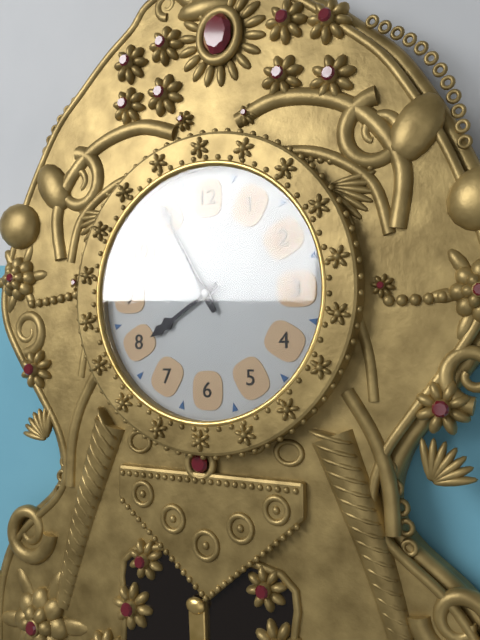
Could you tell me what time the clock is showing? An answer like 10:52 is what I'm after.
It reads 7:55
